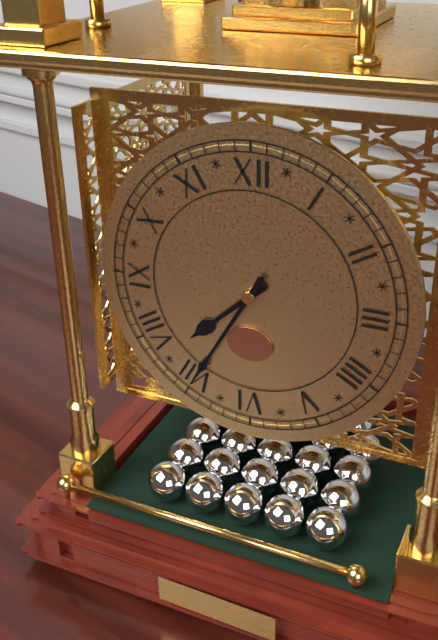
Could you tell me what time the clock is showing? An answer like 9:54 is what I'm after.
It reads 7:35
